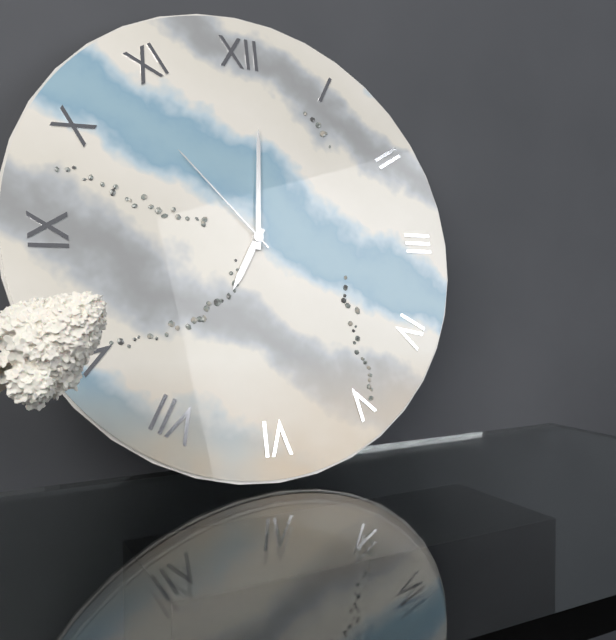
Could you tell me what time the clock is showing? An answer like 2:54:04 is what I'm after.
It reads 7:01:53
